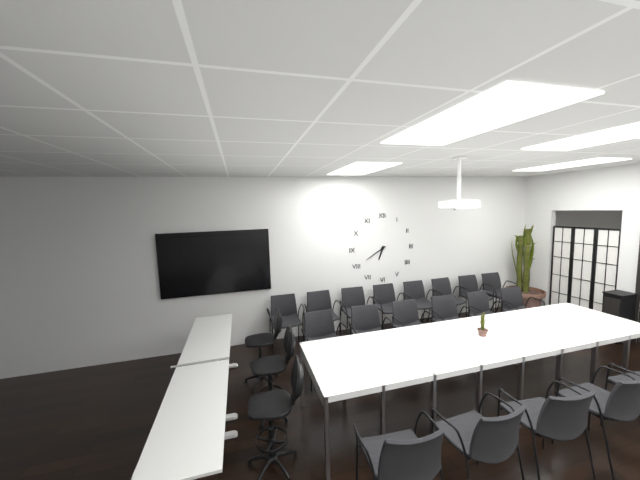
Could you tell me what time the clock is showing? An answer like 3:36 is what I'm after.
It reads 6:40
